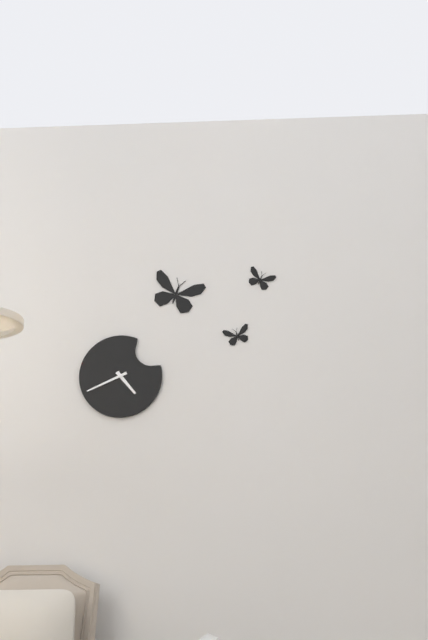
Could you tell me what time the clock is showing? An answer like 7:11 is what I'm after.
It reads 4:41
